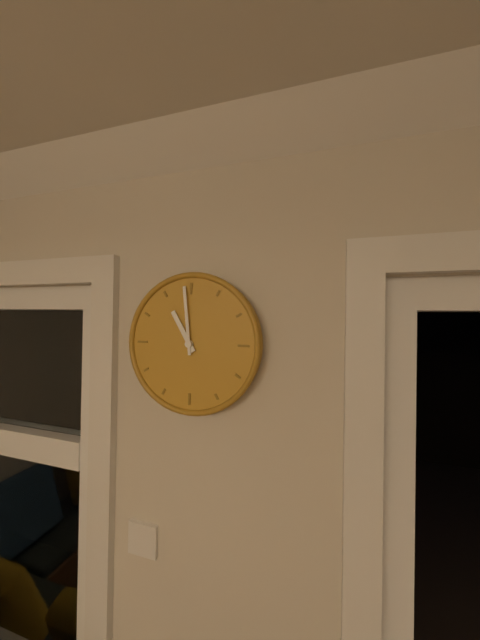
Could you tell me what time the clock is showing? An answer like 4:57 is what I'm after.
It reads 10:59
